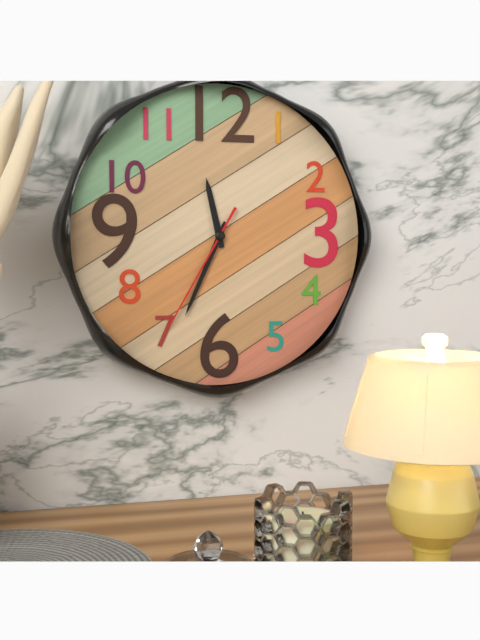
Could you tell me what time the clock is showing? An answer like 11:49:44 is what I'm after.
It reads 11:34:35
